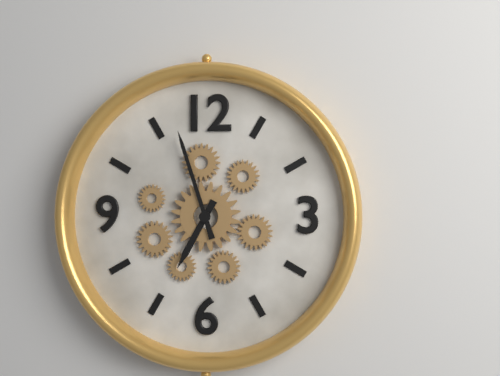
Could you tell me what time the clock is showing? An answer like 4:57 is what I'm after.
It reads 6:57
